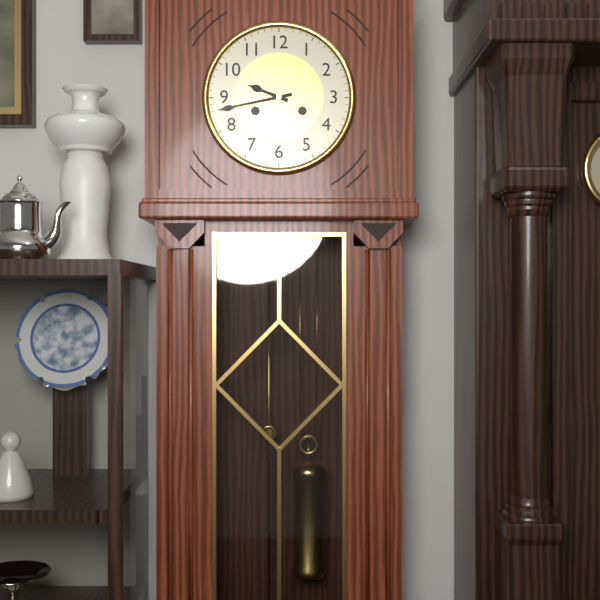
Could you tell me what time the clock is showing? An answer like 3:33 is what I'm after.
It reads 9:43
